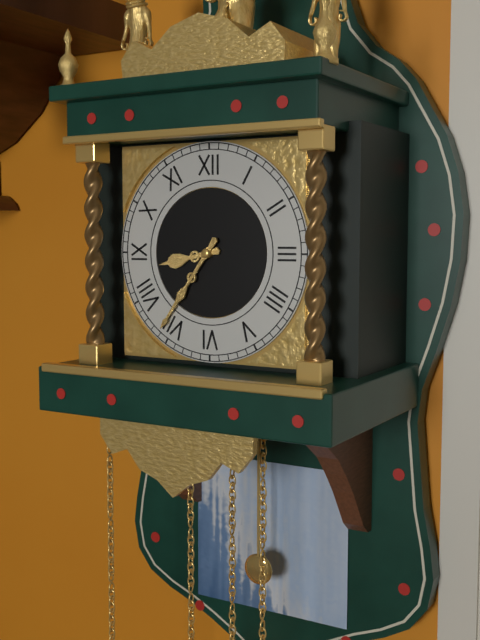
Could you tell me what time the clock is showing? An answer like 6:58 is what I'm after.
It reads 8:36
